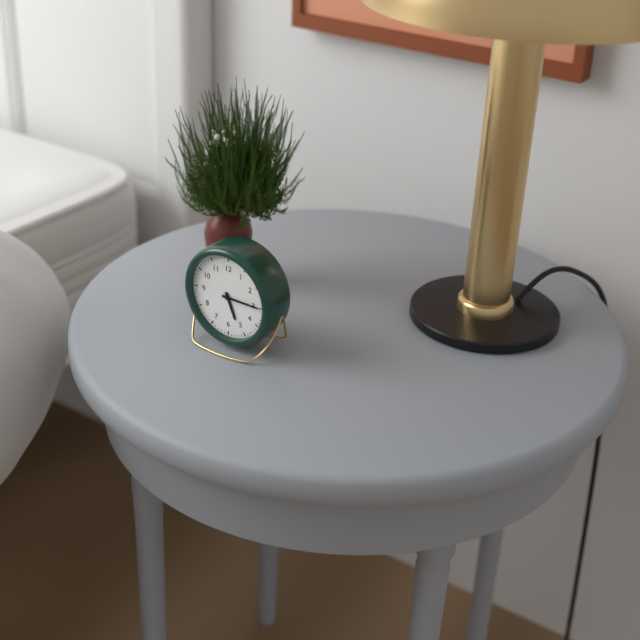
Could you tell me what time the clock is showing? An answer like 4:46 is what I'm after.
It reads 5:15
